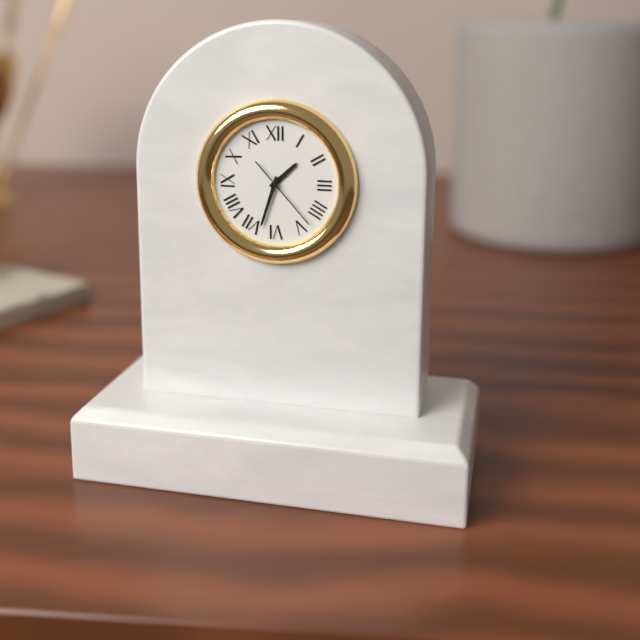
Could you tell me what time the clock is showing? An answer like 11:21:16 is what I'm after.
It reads 1:33:23
